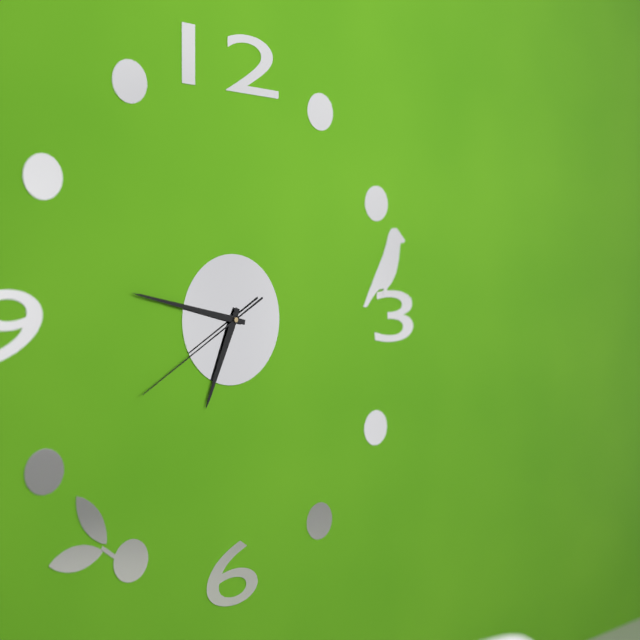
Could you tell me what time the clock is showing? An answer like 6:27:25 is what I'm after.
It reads 6:47:40
